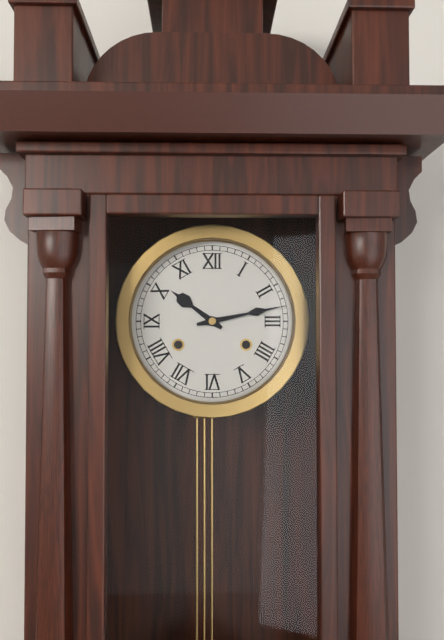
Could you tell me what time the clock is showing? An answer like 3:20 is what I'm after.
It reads 10:13
